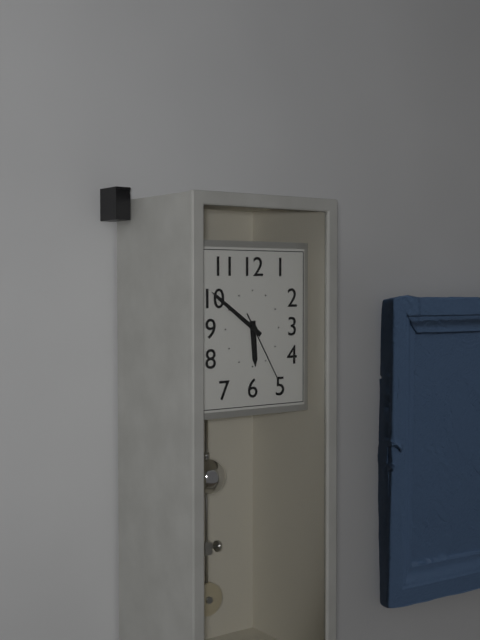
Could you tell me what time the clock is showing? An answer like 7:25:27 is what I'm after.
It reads 5:51:25
